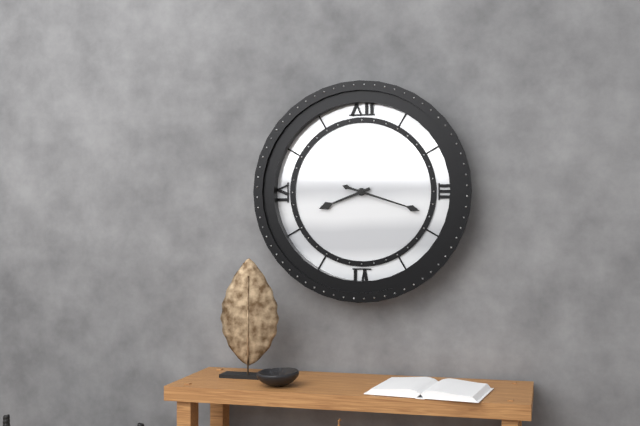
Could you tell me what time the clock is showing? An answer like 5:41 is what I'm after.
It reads 8:18
